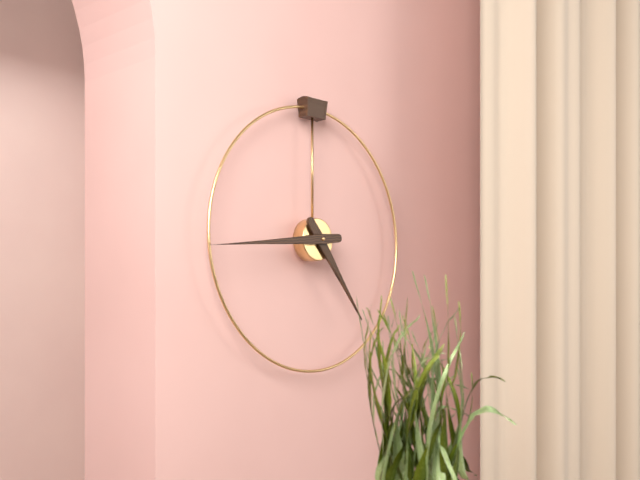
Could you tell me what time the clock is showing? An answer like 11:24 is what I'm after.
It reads 4:44
